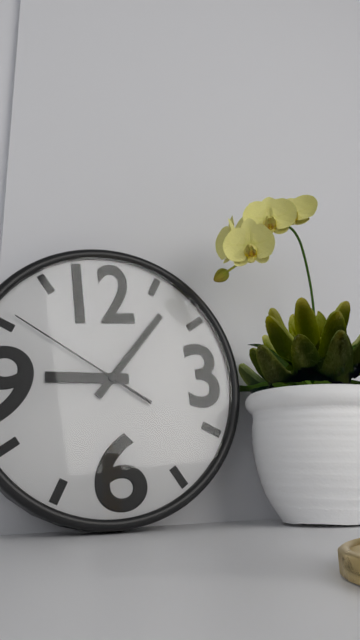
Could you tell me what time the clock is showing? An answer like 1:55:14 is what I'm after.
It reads 9:07:51
